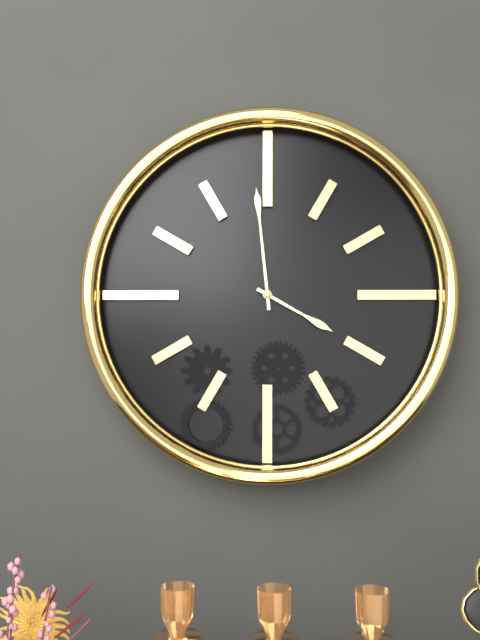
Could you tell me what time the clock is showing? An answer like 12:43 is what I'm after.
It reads 3:59
